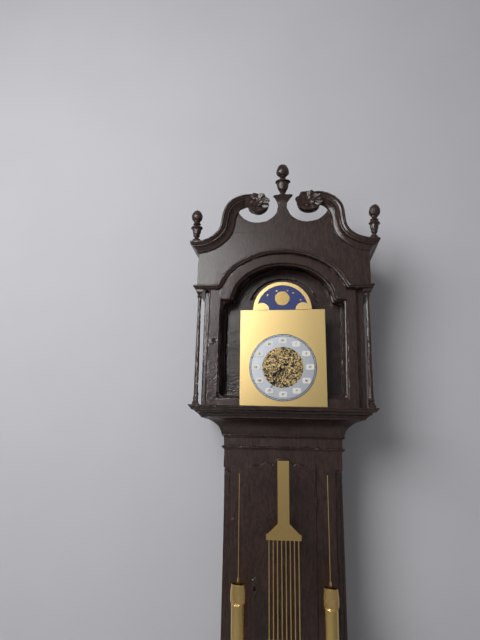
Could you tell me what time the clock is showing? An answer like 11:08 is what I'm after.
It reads 7:35
